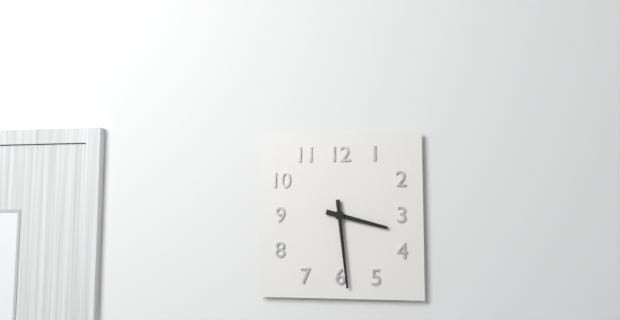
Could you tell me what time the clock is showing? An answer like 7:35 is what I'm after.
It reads 3:29
